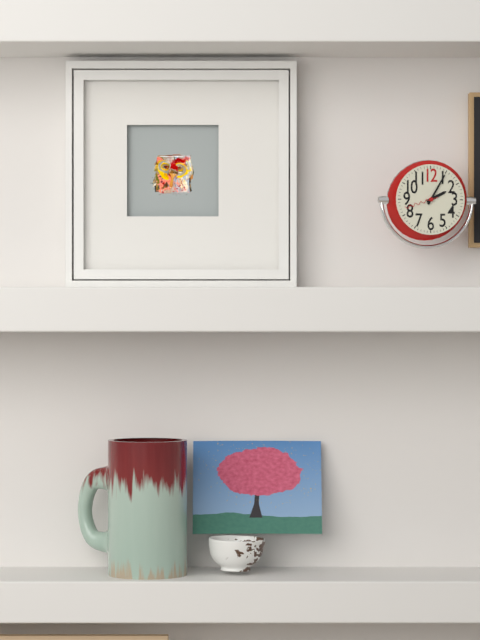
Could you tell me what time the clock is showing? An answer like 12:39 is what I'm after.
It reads 2:05
